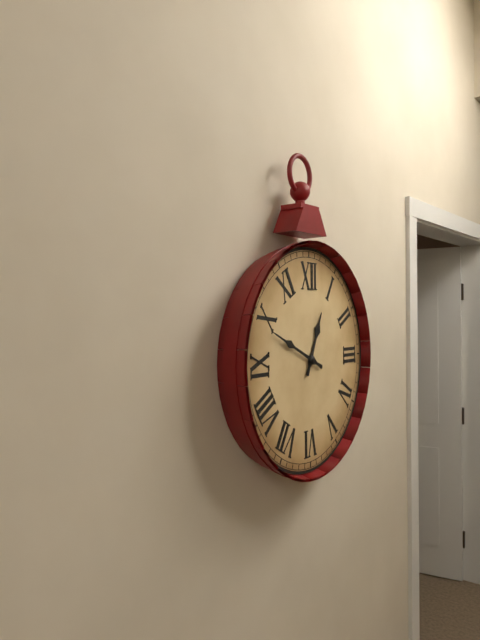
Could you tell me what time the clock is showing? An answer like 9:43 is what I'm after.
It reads 12:49
